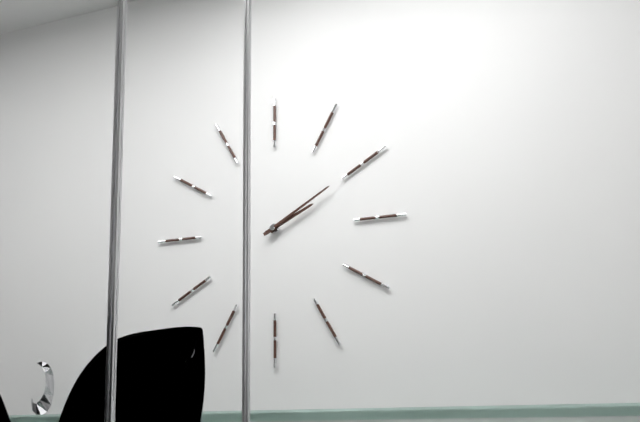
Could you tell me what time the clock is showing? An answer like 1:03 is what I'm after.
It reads 2:10
